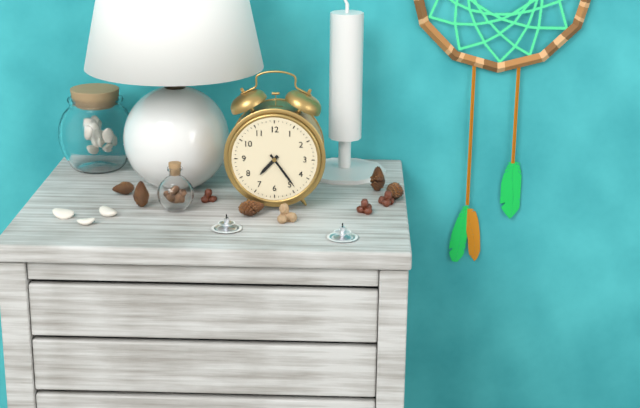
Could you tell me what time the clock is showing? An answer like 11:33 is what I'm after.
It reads 7:24
